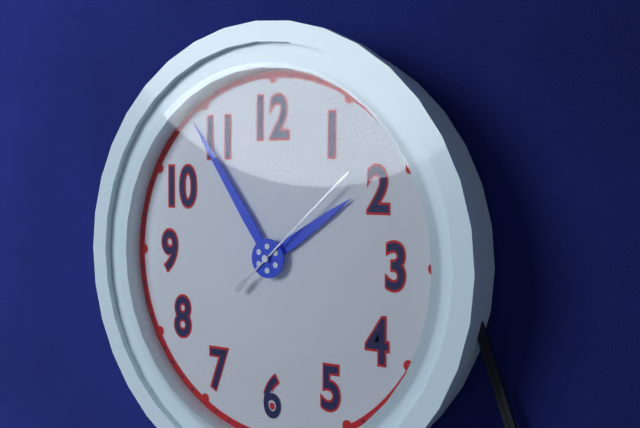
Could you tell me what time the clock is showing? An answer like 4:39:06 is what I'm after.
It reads 1:54:08
